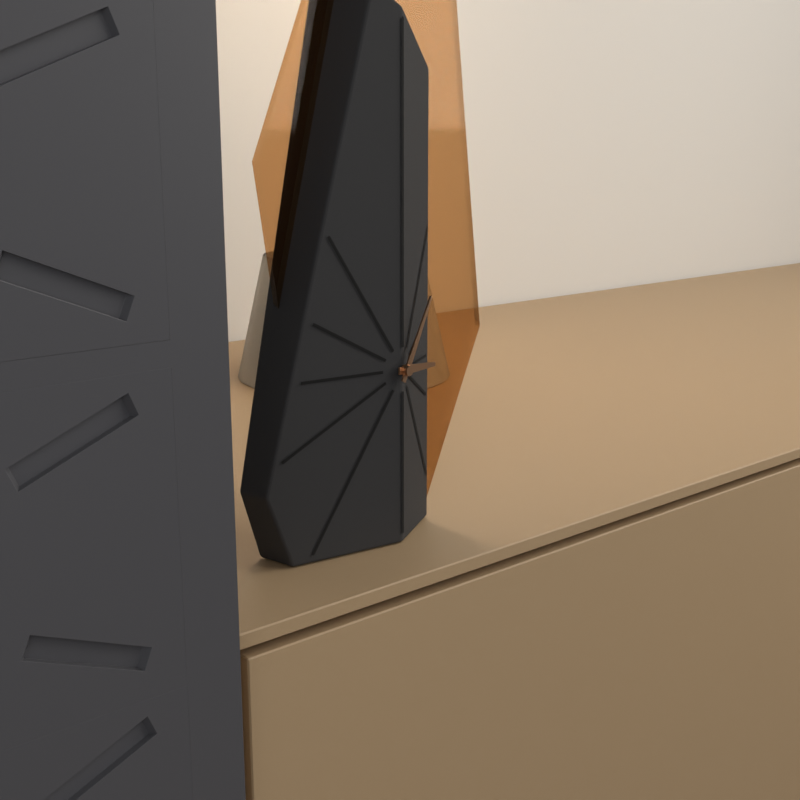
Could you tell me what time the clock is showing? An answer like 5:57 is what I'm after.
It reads 3:05
